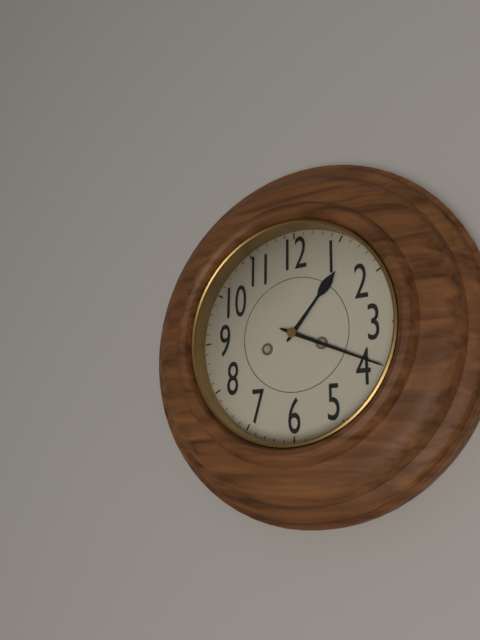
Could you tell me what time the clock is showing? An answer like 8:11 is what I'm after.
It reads 1:19
